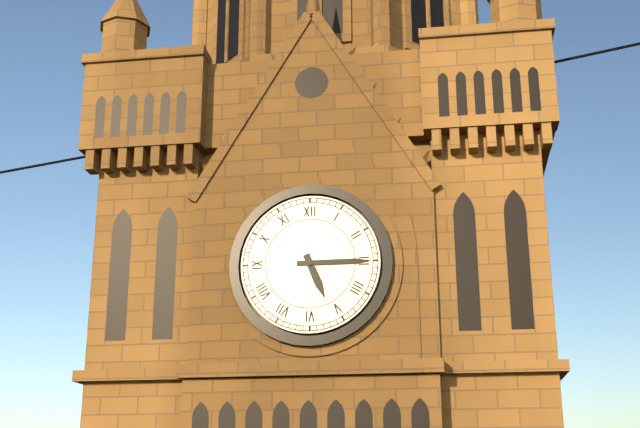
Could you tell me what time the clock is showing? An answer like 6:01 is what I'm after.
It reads 5:15
